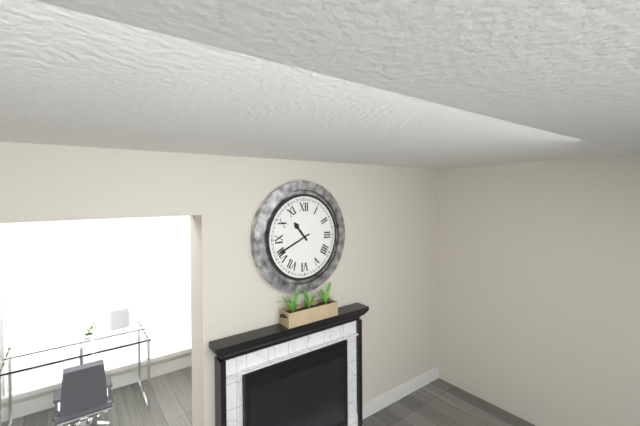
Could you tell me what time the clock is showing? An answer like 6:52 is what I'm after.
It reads 10:41
